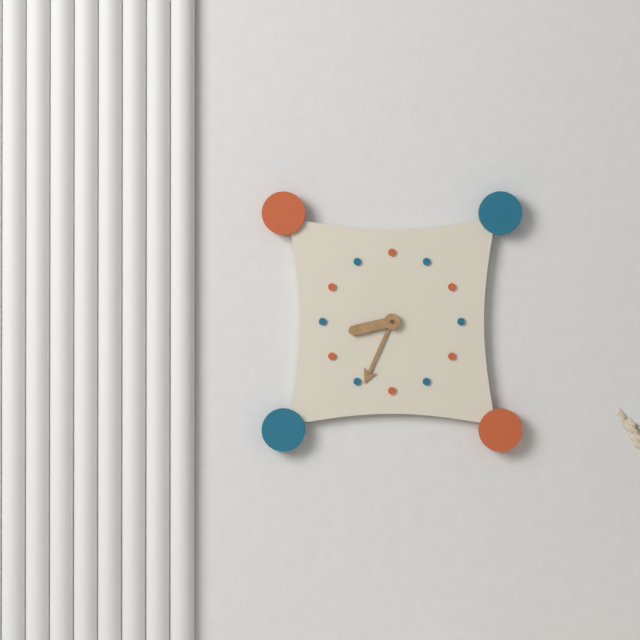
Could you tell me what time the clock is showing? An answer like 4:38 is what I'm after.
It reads 8:34
